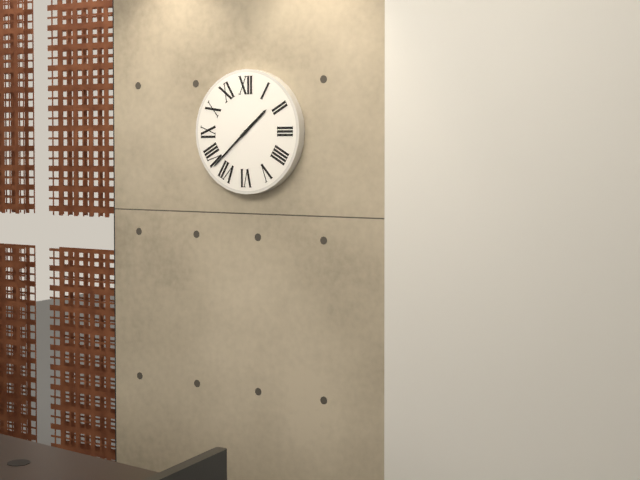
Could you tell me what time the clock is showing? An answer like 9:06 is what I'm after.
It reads 1:38
